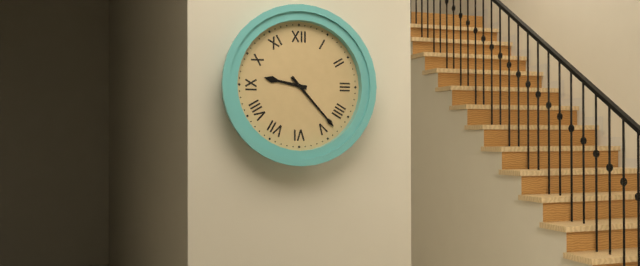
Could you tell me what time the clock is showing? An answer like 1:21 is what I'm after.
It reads 9:23
